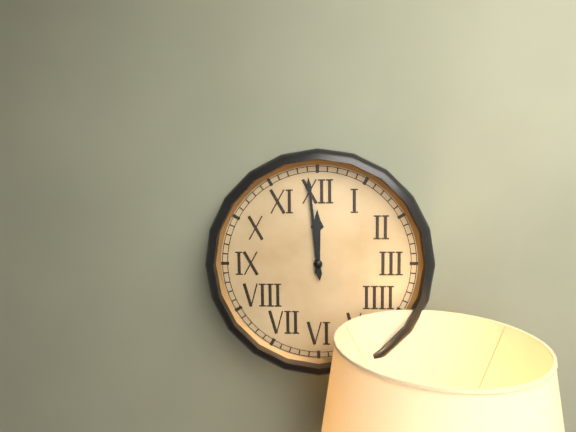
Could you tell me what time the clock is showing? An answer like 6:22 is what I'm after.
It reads 11:59
